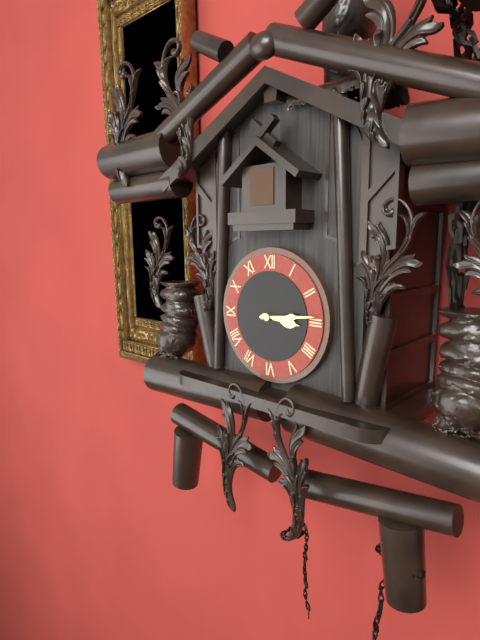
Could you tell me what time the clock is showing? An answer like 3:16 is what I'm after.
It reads 3:14
